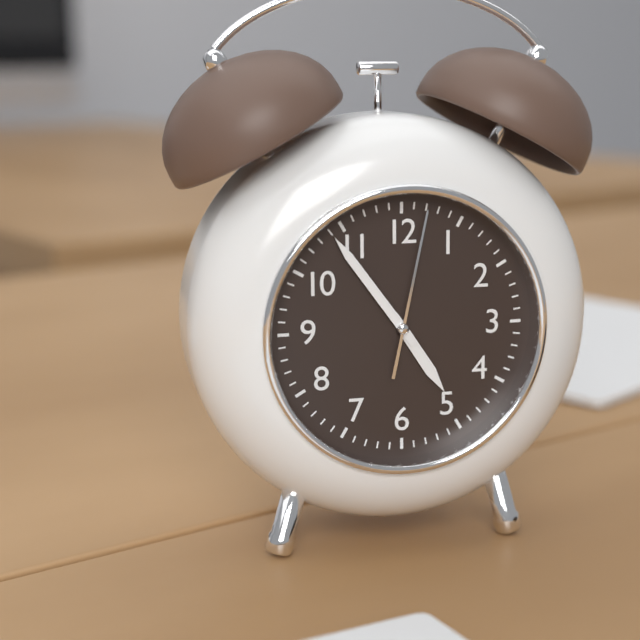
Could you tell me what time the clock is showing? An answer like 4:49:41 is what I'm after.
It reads 4:54:02
